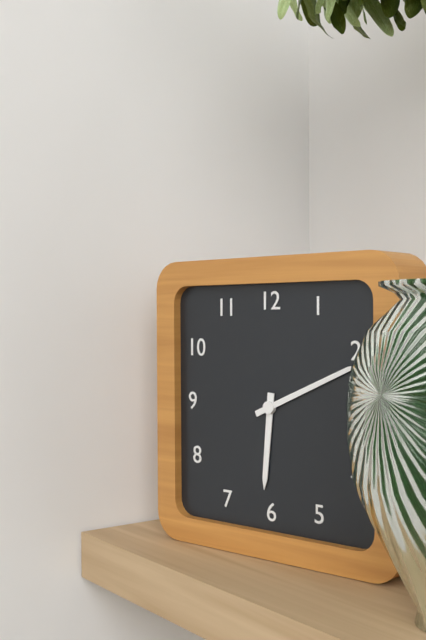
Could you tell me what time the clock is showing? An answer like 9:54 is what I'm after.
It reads 6:11
